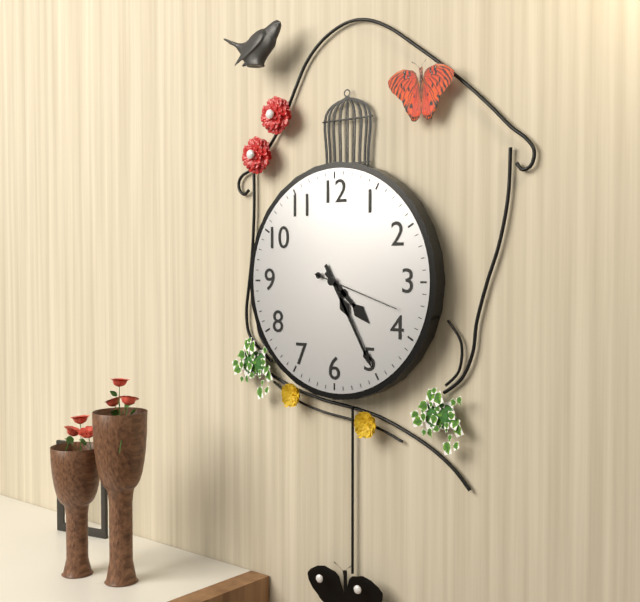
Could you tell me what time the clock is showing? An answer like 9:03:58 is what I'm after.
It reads 4:25:18
